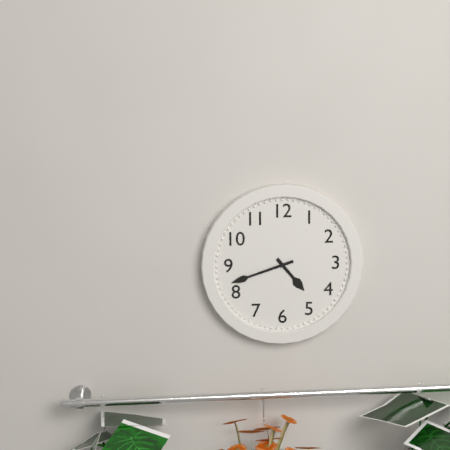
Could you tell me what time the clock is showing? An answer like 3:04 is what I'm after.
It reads 4:42
